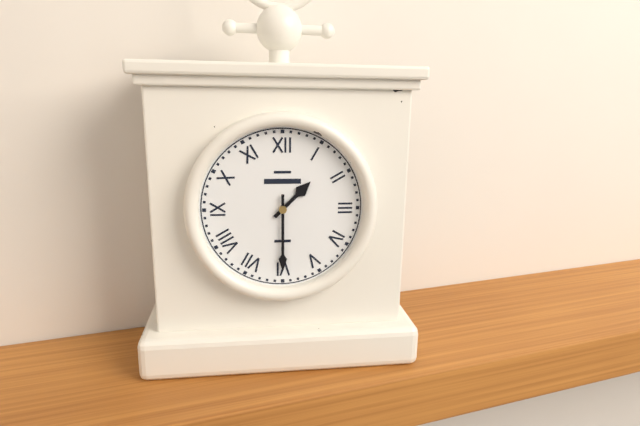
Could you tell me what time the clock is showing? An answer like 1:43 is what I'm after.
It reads 1:30
